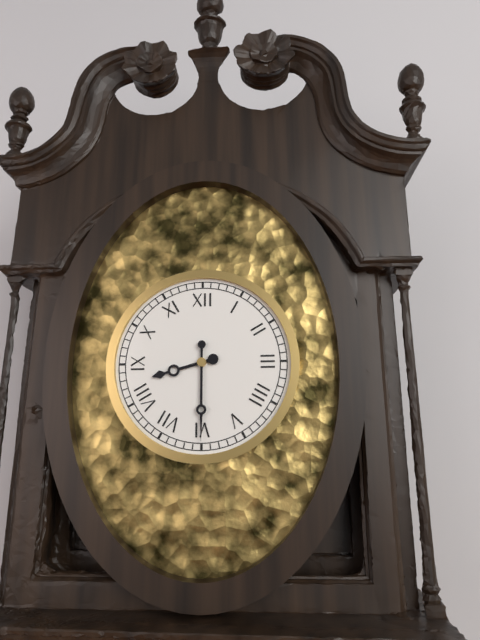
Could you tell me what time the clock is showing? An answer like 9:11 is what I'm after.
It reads 8:30
